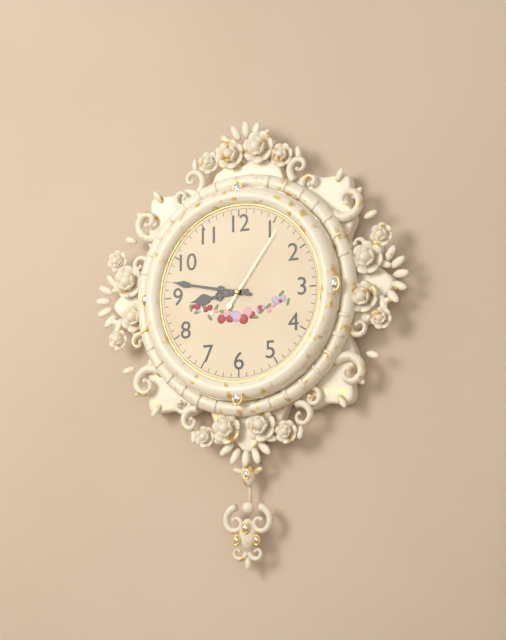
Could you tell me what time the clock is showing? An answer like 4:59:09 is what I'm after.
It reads 8:47:06
